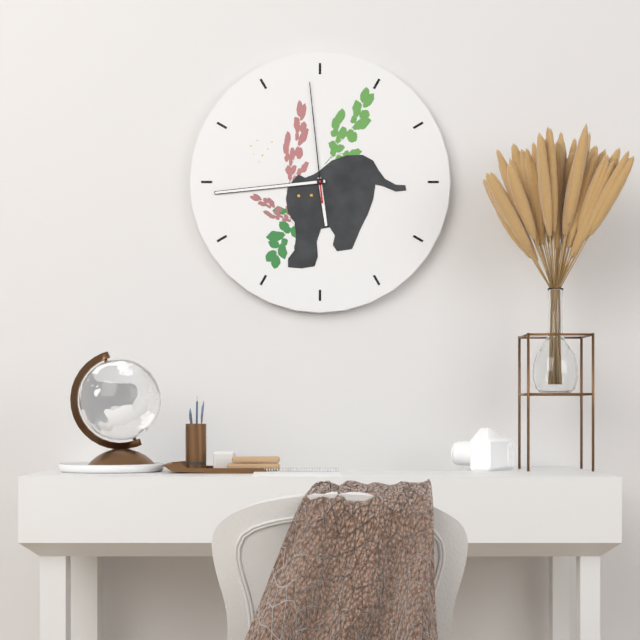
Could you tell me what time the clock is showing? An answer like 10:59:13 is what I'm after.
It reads 5:44:59
